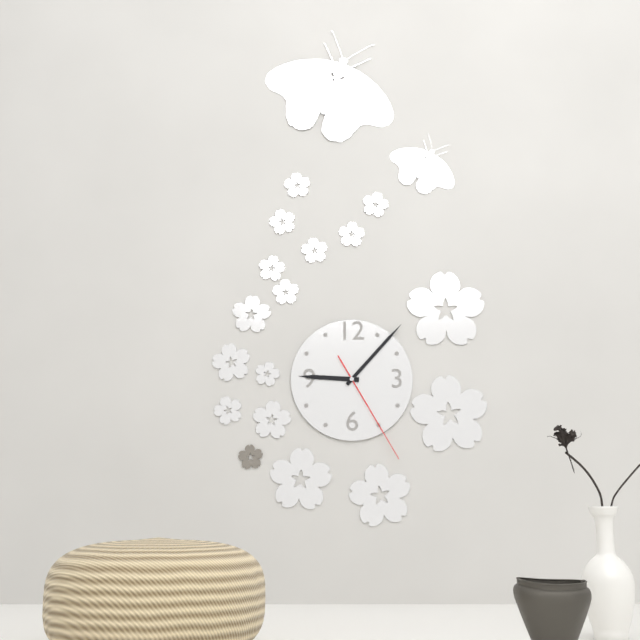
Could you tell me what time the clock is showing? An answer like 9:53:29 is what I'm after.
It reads 9:07:25
